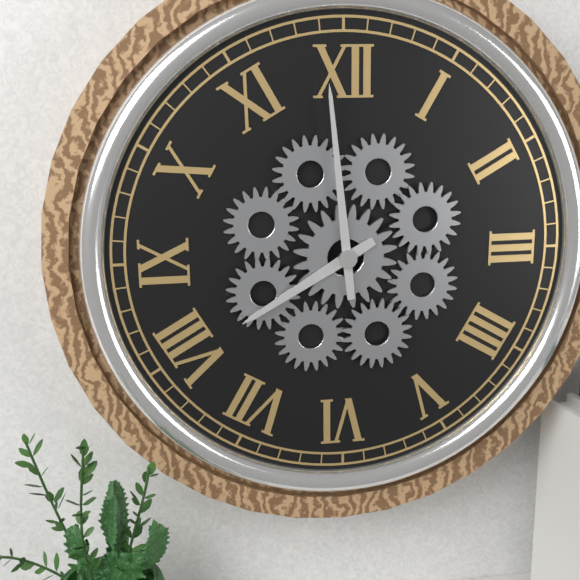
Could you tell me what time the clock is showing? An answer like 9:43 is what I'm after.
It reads 7:59
